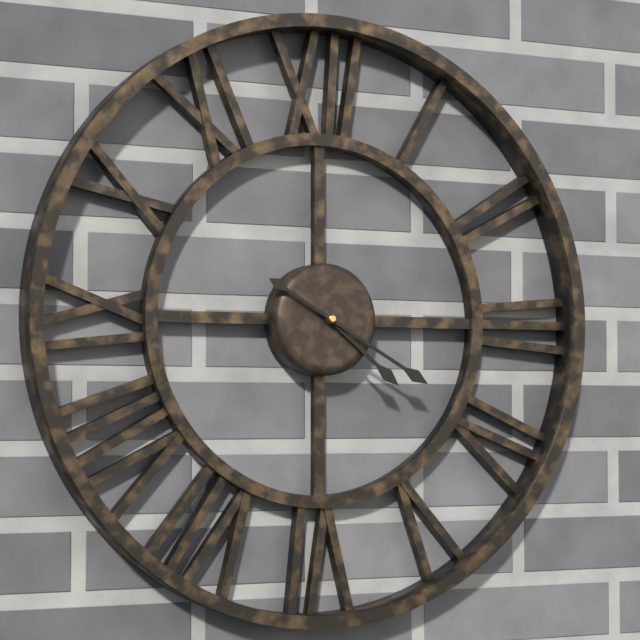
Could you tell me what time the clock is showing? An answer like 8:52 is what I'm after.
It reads 4:20
